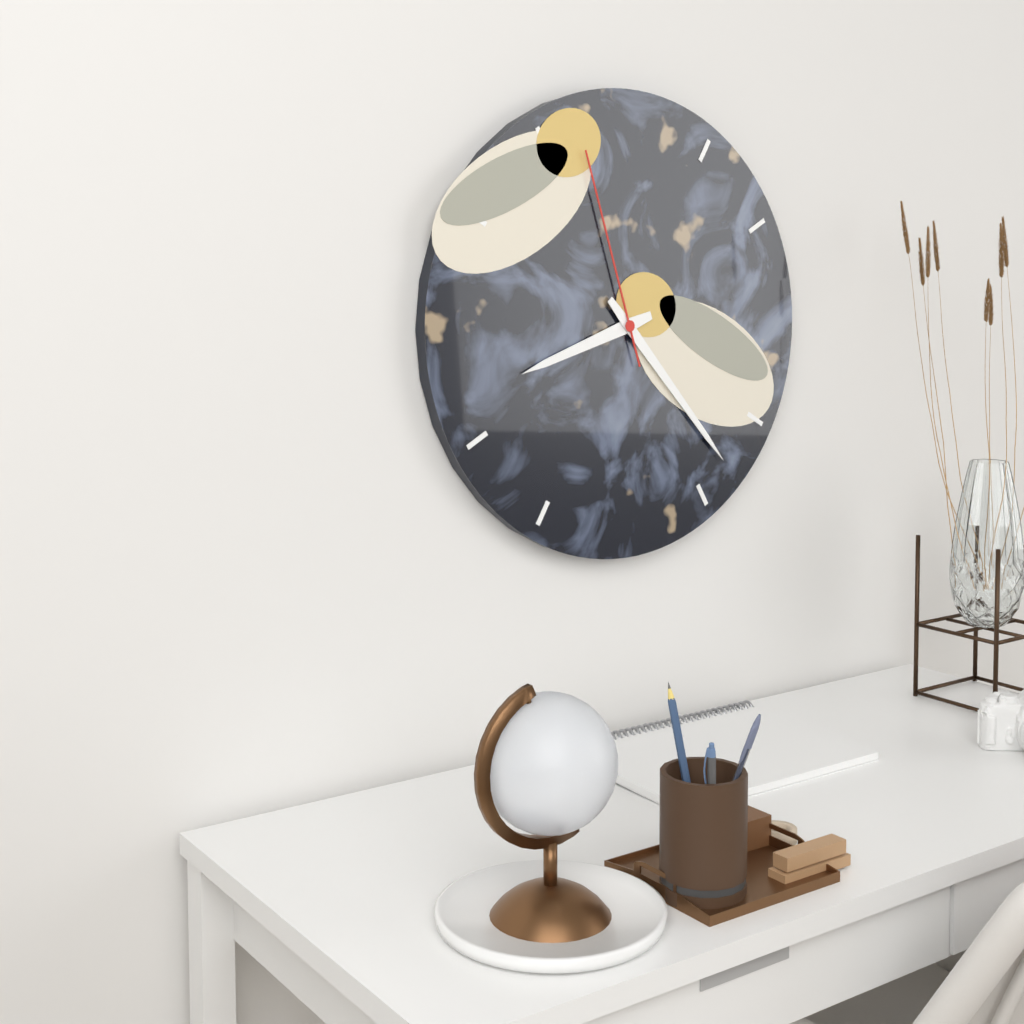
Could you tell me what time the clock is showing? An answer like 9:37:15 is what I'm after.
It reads 8:23:57
